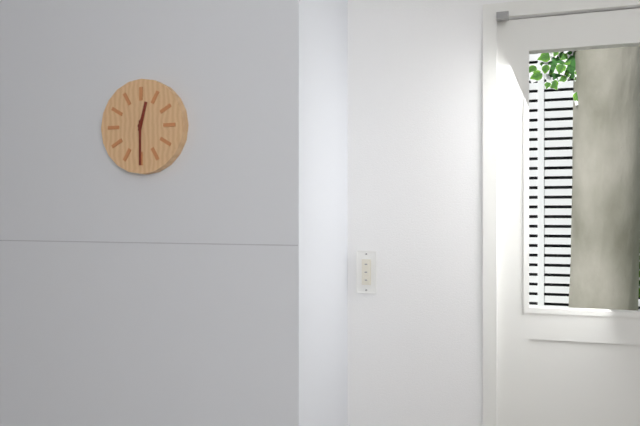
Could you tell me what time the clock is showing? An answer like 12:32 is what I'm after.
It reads 12:30
